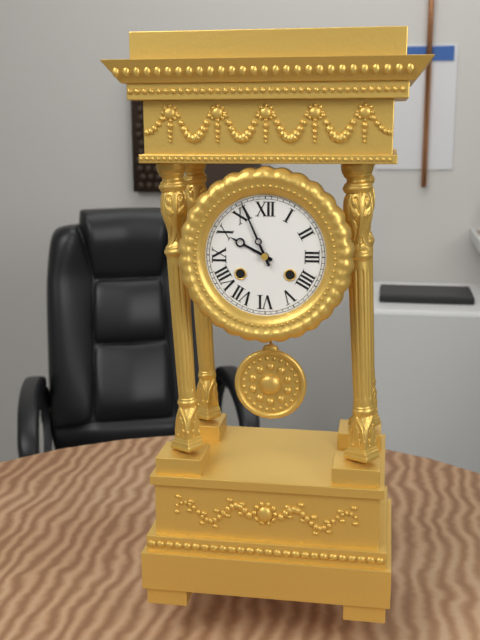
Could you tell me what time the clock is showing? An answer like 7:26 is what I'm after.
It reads 9:56
